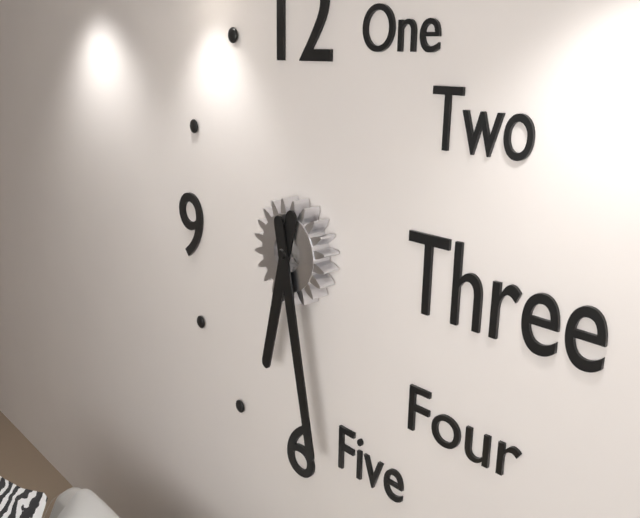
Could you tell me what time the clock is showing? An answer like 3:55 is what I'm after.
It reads 6:28
